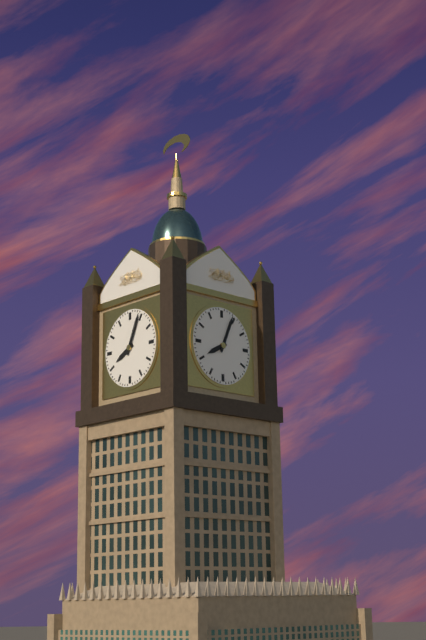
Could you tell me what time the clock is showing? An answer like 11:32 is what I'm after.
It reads 8:04
